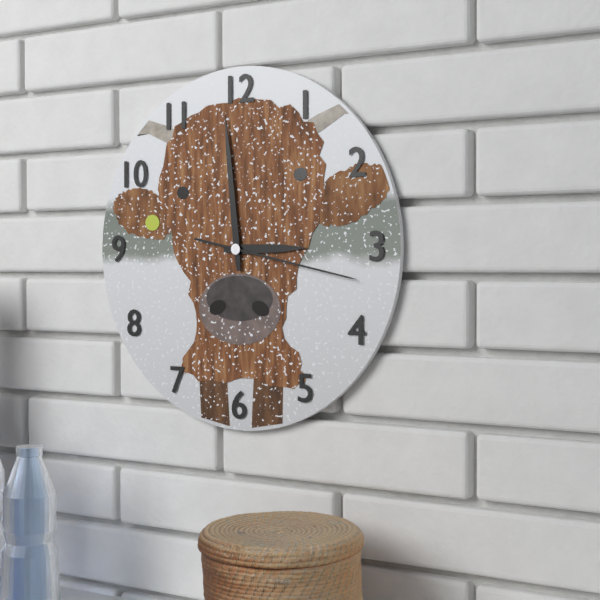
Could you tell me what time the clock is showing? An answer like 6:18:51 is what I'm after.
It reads 2:59:17
